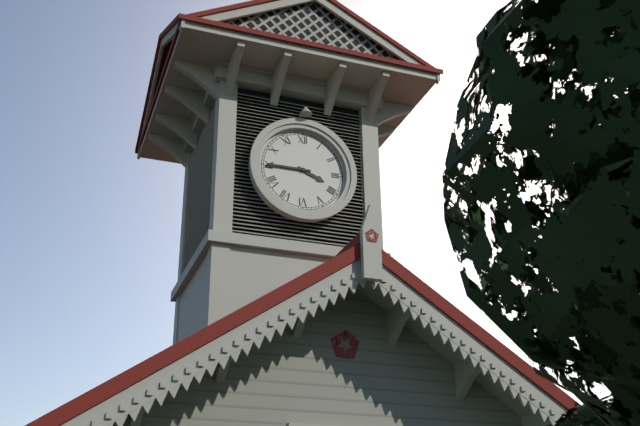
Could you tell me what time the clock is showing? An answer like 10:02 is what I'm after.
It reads 3:45
